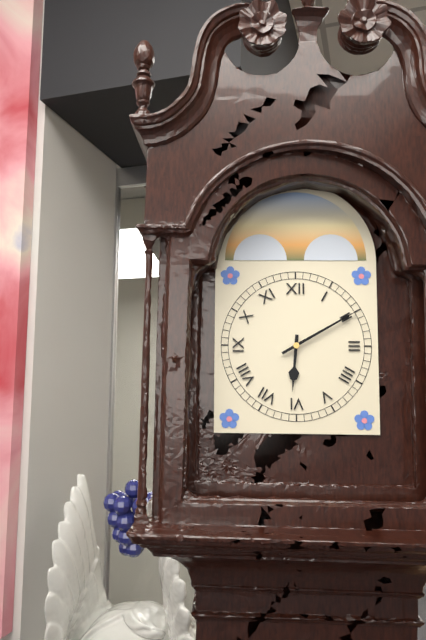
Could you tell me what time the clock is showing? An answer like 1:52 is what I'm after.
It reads 6:10
